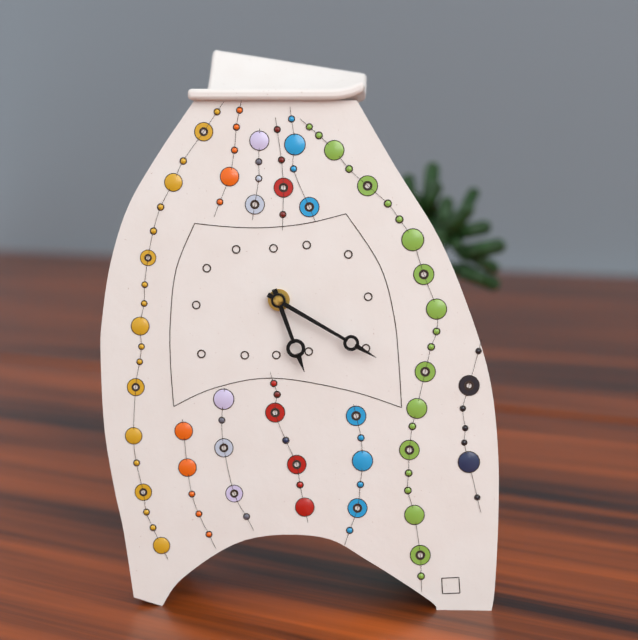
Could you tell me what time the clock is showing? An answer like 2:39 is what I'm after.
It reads 5:20
